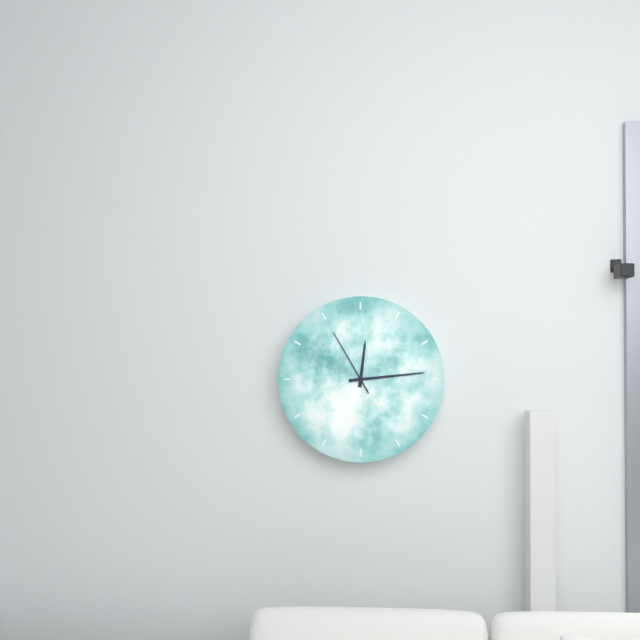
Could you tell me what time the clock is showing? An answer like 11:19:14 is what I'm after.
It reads 12:14:55
